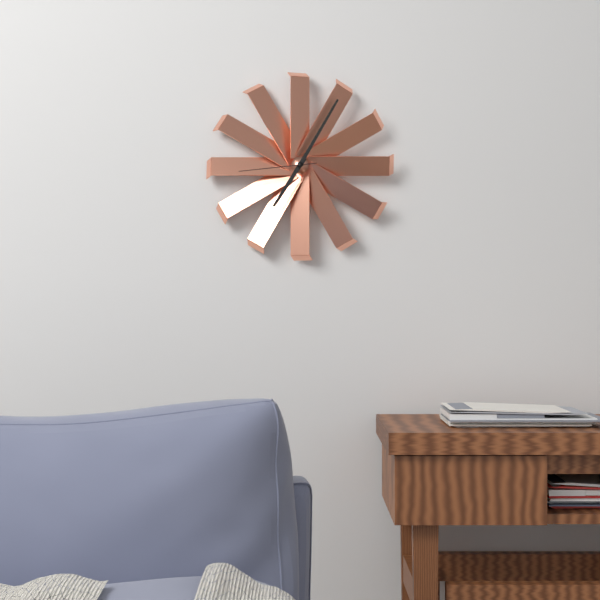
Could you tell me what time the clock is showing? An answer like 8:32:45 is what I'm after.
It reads 7:05:44
